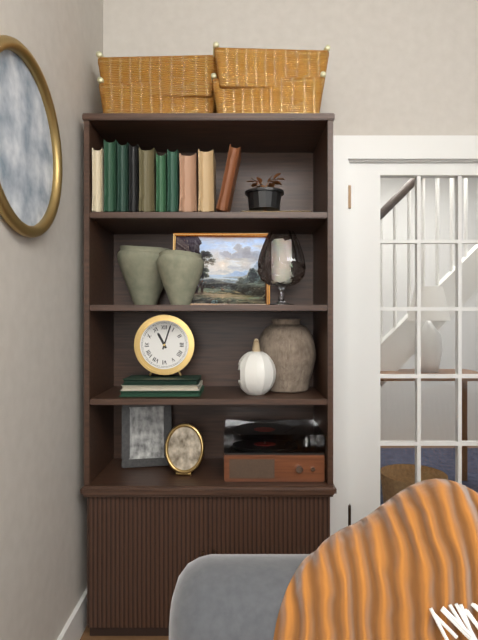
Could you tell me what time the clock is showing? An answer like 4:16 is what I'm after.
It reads 11:03
